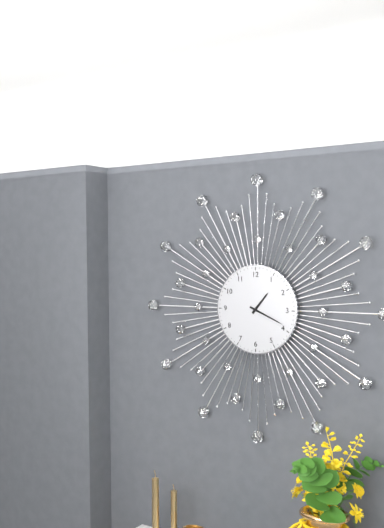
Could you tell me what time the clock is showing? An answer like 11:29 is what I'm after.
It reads 1:19
